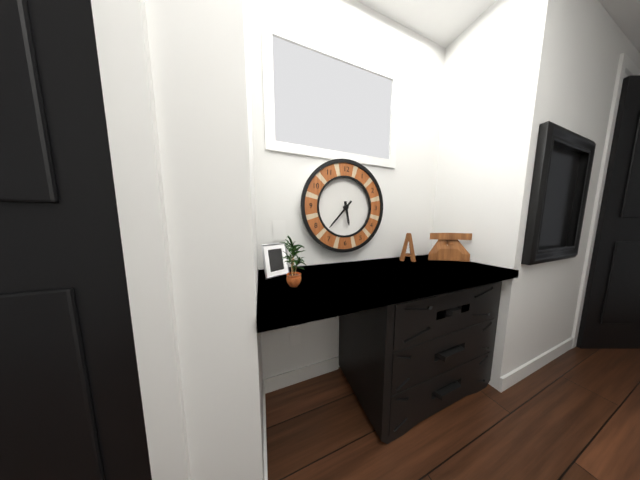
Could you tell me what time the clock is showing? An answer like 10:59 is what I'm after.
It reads 5:37
